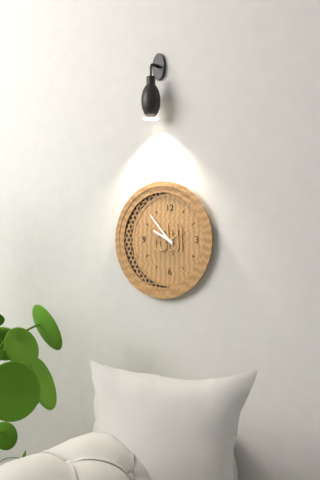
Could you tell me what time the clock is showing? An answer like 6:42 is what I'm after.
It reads 9:53
